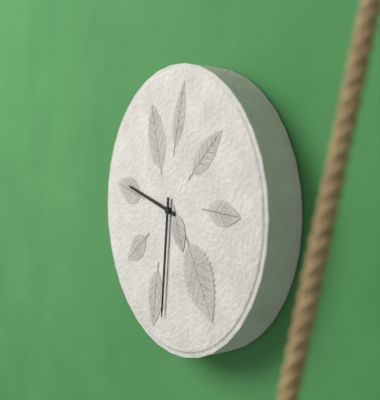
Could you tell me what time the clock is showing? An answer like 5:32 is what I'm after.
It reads 9:31
